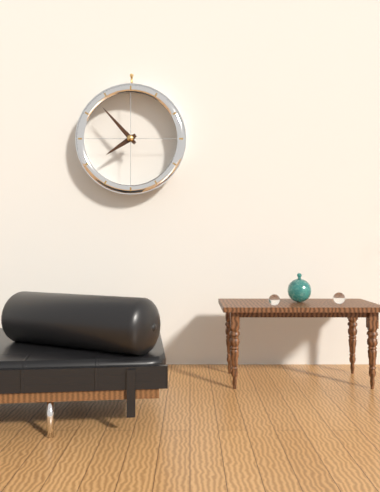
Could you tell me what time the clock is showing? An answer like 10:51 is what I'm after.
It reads 7:53
